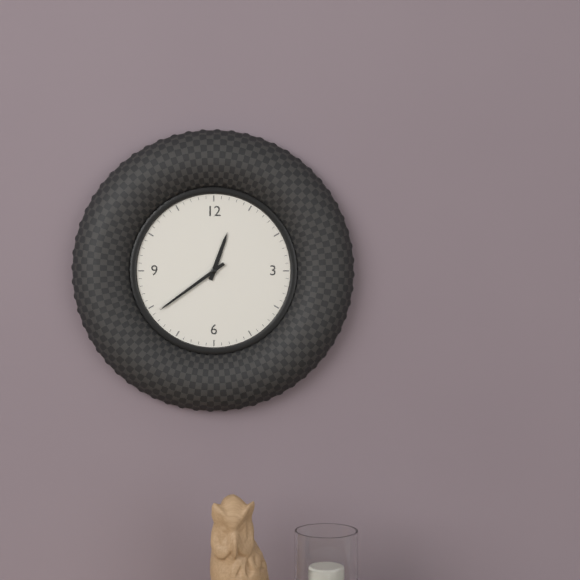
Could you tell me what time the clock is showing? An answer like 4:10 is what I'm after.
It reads 12:39
